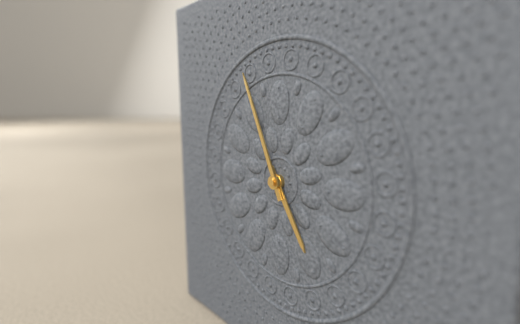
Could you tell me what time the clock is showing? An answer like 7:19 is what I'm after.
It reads 4:56
